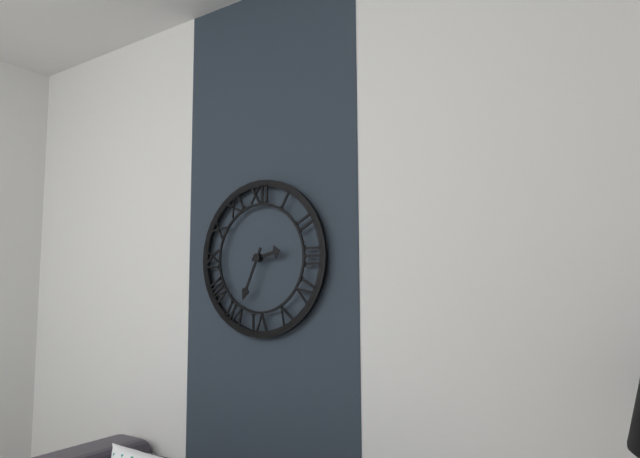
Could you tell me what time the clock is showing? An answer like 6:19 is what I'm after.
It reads 2:34
